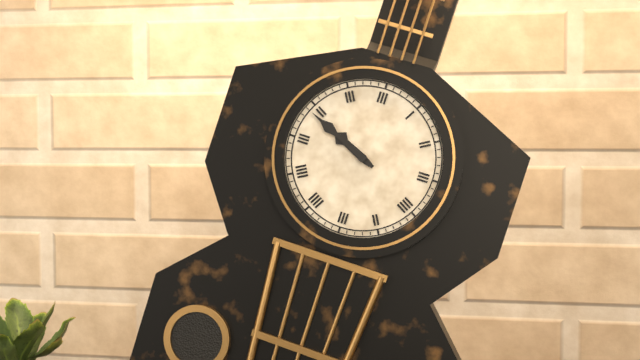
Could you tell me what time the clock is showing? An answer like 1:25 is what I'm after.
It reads 9:49
